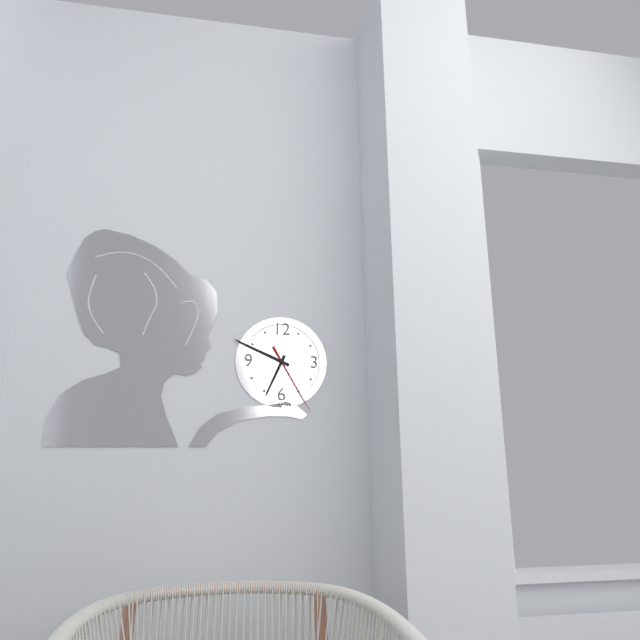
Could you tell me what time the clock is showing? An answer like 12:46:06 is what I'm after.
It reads 6:49:25
